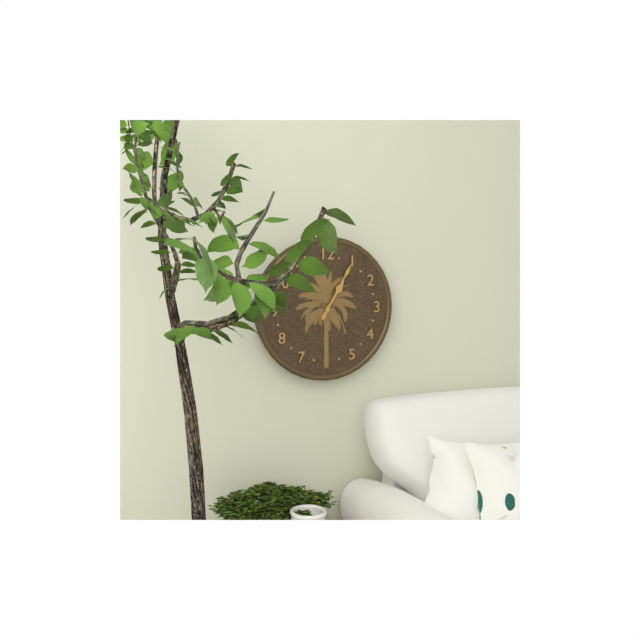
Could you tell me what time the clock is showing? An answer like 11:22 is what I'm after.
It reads 1:05
